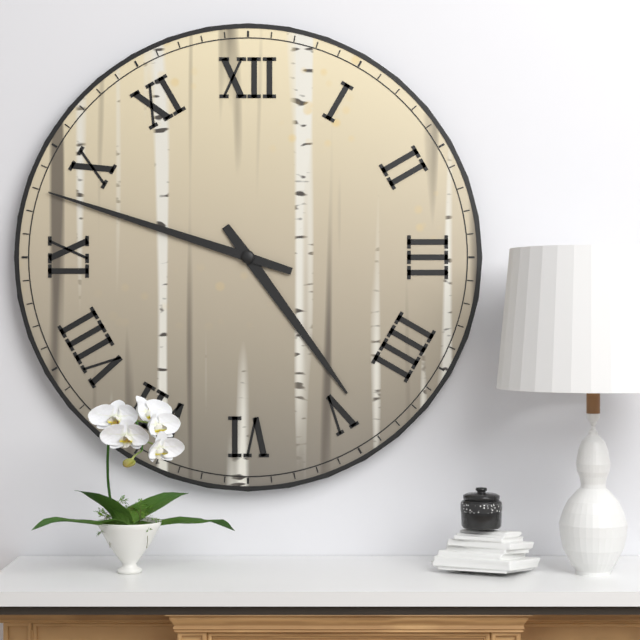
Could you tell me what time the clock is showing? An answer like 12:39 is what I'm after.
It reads 4:48
